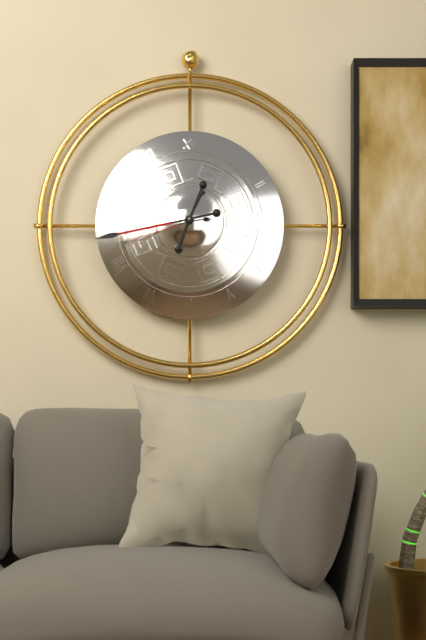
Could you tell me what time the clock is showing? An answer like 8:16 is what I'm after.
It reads 12:43
